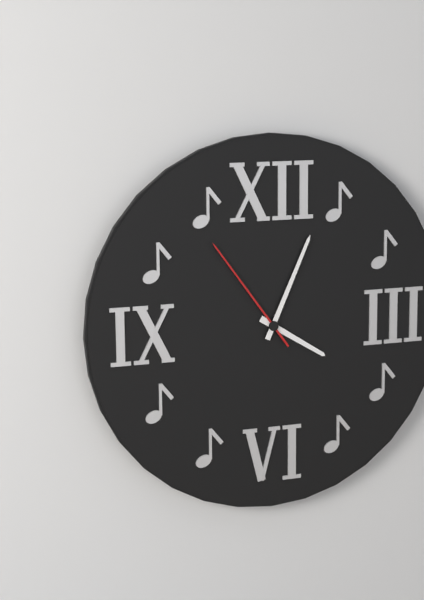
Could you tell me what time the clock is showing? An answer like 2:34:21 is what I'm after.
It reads 4:04:54
